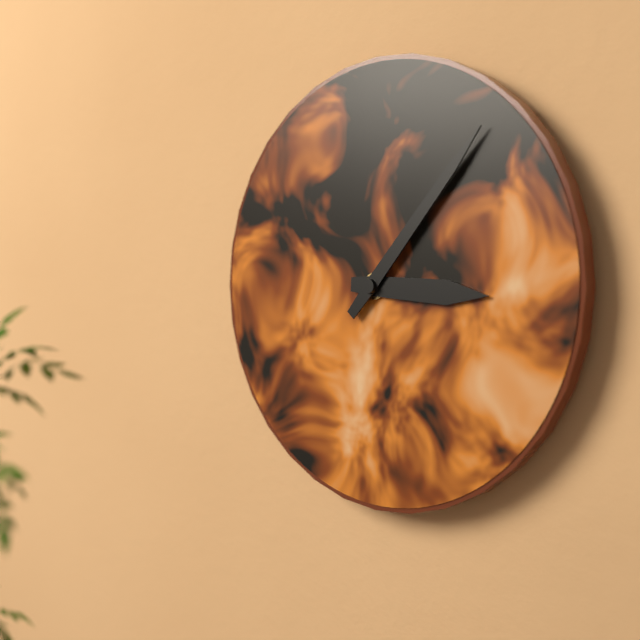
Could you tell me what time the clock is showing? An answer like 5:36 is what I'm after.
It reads 3:07
